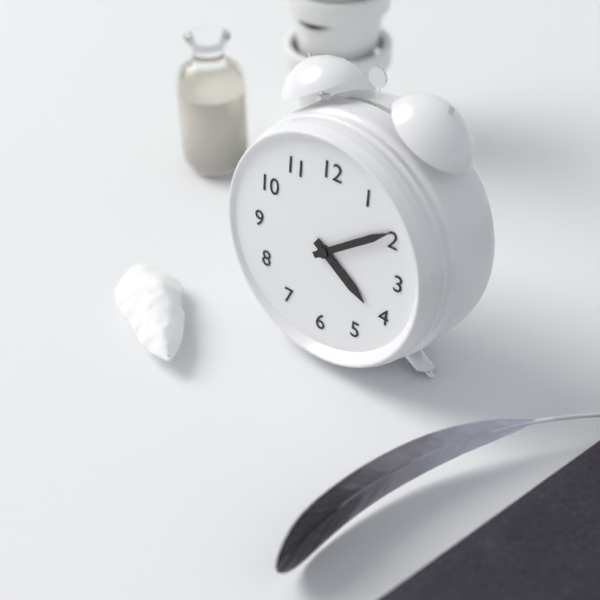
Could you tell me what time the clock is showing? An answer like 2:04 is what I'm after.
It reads 4:09
